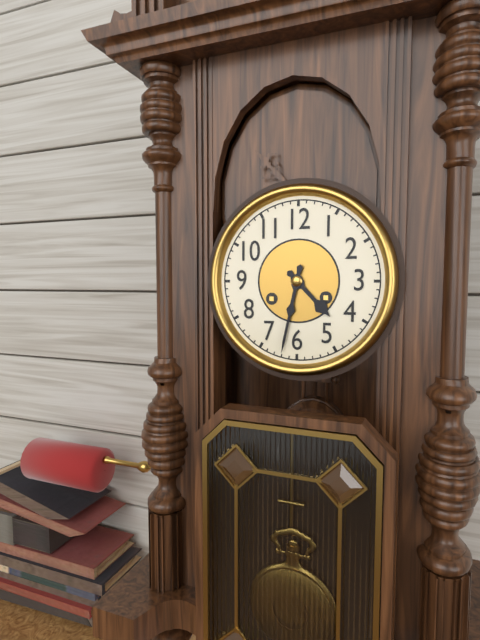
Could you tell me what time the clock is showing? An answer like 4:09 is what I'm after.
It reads 4:32
